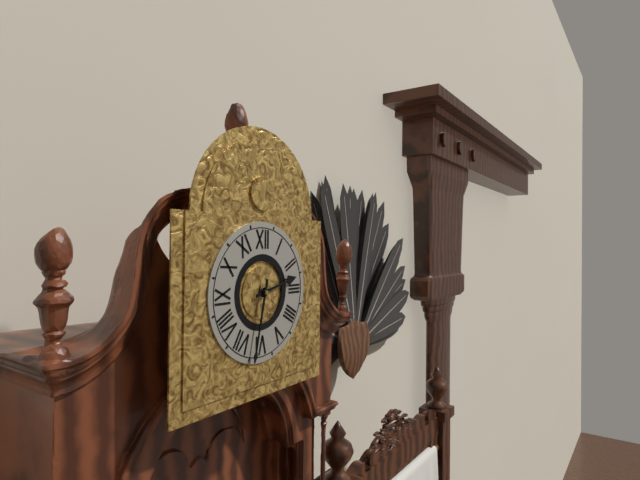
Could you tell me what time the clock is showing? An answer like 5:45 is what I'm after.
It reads 2:32
